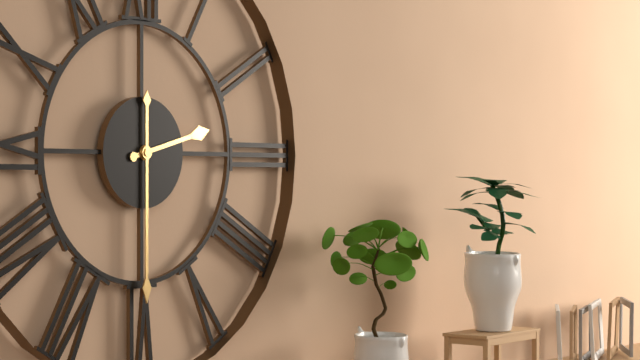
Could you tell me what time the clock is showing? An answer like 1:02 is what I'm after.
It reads 2:30
